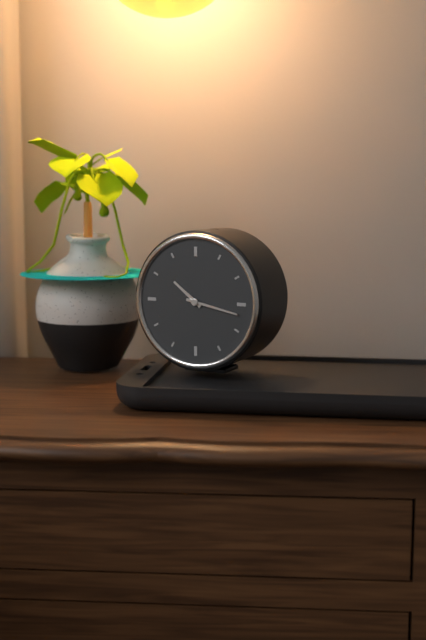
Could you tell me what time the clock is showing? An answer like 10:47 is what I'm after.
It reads 10:17
